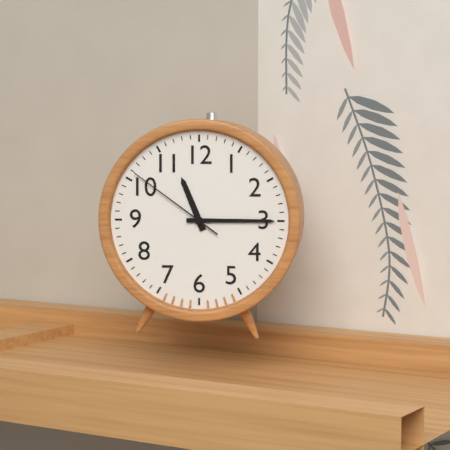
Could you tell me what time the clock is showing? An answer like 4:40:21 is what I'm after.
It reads 11:15:51
